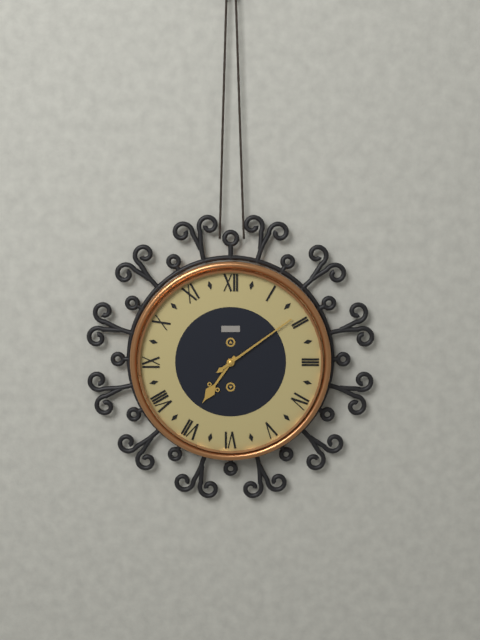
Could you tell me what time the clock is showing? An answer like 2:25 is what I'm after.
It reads 7:09
